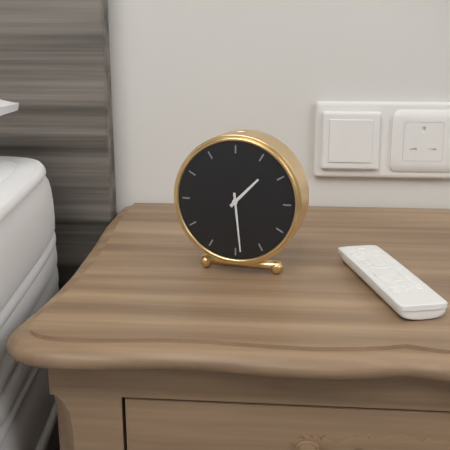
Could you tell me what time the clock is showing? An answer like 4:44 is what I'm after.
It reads 1:29
